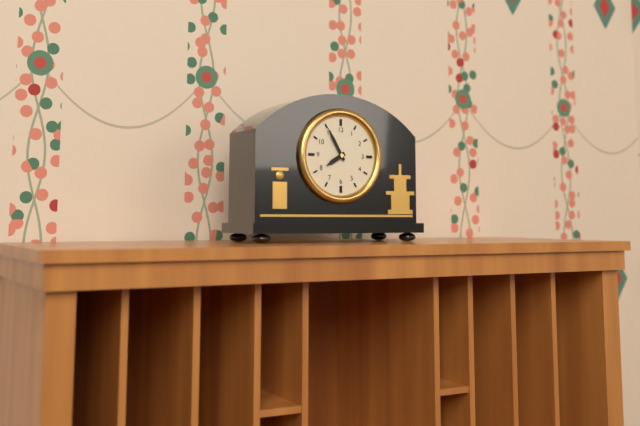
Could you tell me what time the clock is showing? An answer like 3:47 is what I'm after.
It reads 7:55
